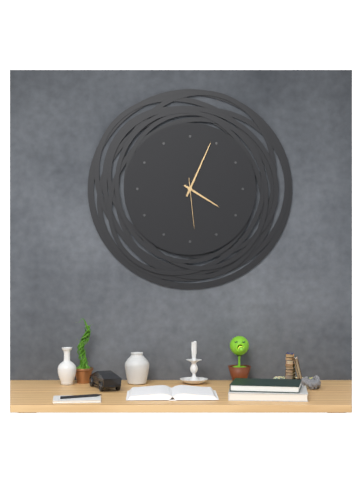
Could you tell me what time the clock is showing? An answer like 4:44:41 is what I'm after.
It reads 4:04:29
